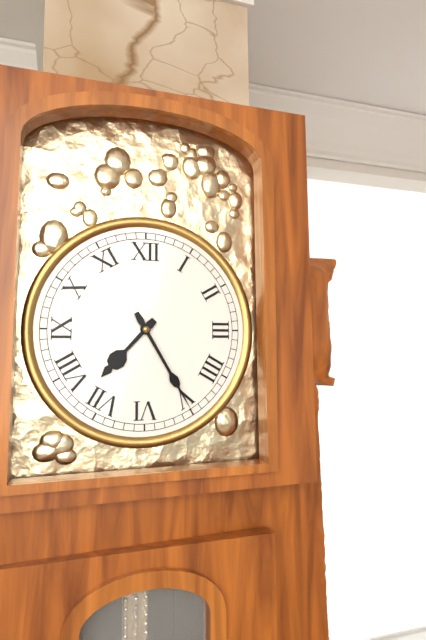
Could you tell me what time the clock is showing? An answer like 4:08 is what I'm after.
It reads 7:25
